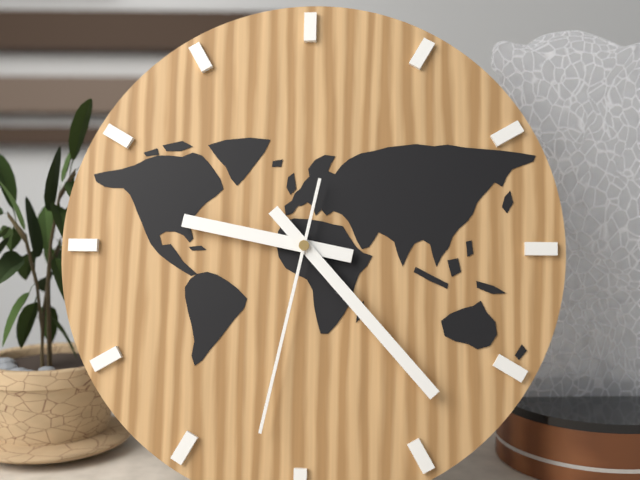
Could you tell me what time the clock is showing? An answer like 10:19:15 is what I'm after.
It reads 9:23:32
